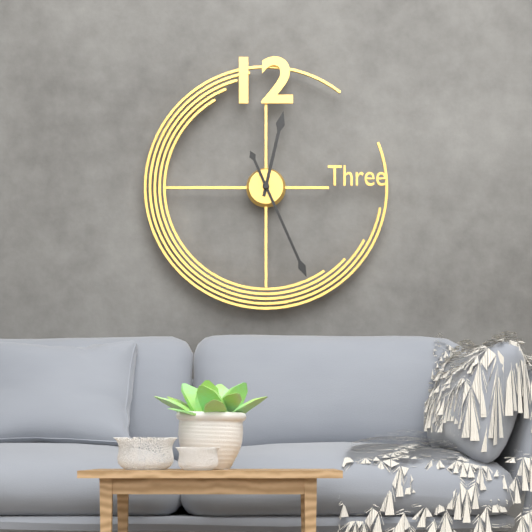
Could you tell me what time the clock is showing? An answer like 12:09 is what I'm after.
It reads 12:26
